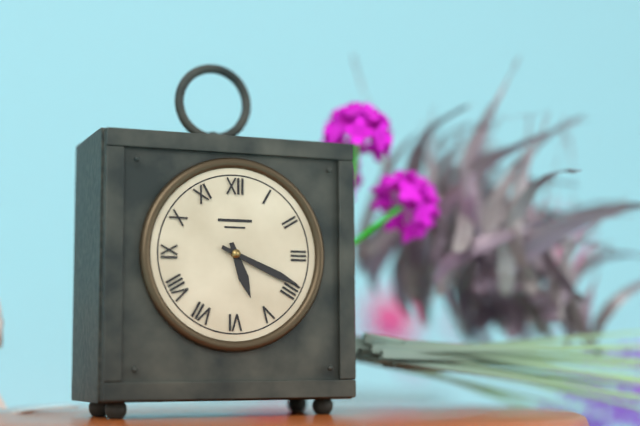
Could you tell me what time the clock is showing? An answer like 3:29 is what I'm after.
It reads 5:19
